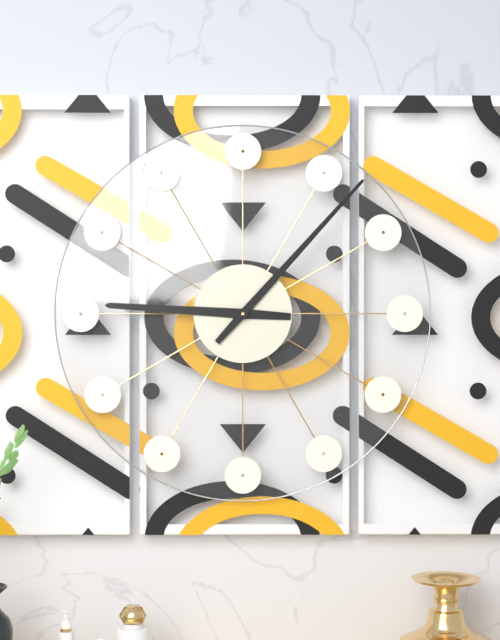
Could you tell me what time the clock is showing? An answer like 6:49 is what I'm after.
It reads 9:07
